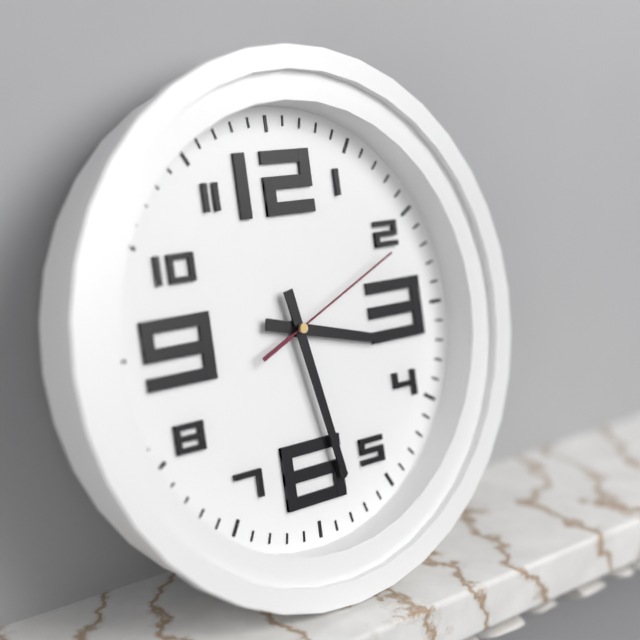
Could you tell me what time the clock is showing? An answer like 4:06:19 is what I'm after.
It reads 3:28:11
